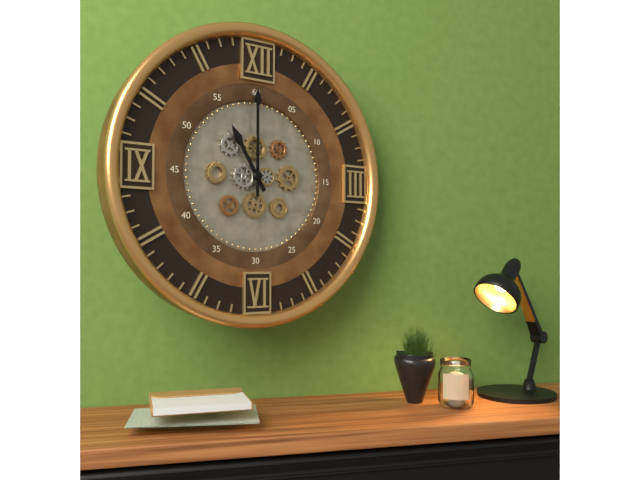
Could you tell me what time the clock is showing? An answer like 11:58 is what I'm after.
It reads 11:00
